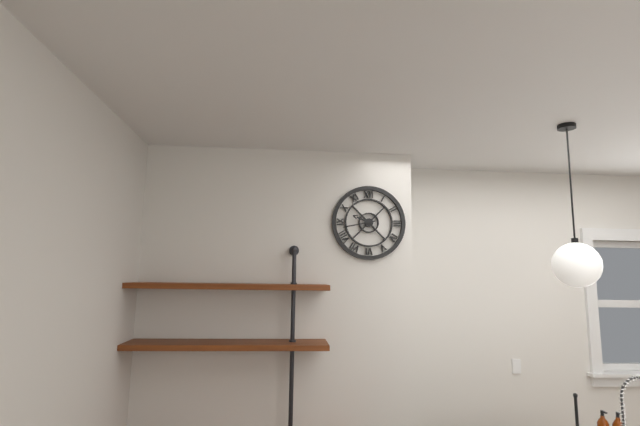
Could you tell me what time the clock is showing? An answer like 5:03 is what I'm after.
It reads 9:43
